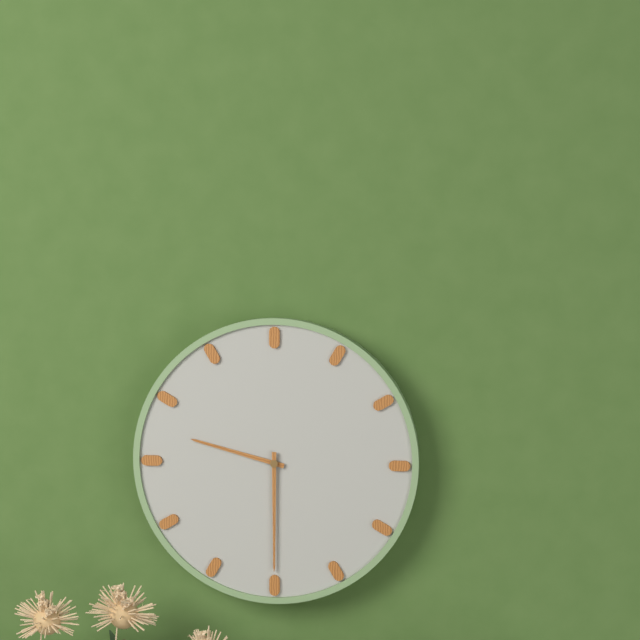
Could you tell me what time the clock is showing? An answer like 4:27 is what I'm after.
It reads 9:30
